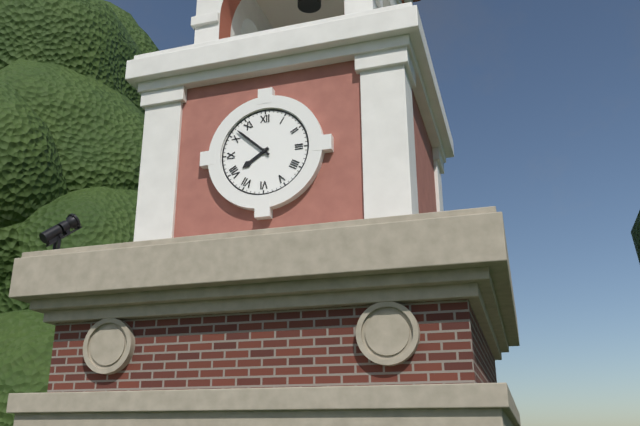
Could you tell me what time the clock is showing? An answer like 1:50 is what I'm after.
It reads 7:52
